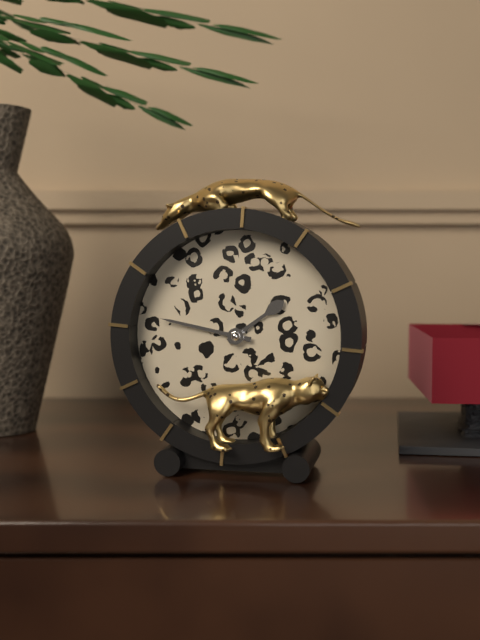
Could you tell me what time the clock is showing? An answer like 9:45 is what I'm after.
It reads 1:47
